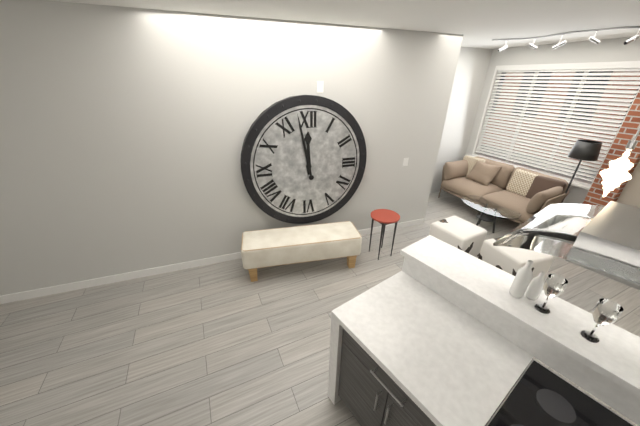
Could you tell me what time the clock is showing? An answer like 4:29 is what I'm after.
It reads 11:58
